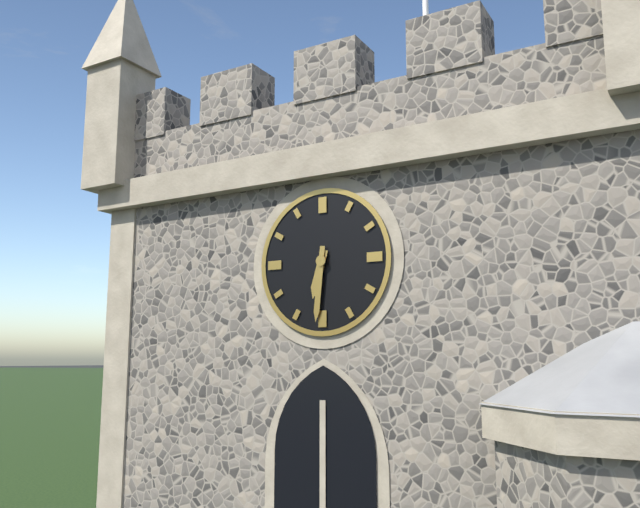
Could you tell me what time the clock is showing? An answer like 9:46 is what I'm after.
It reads 6:31
